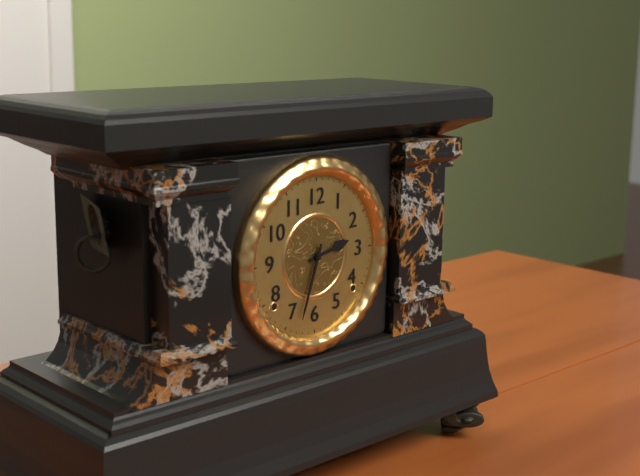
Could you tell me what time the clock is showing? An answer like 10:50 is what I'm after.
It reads 2:33
